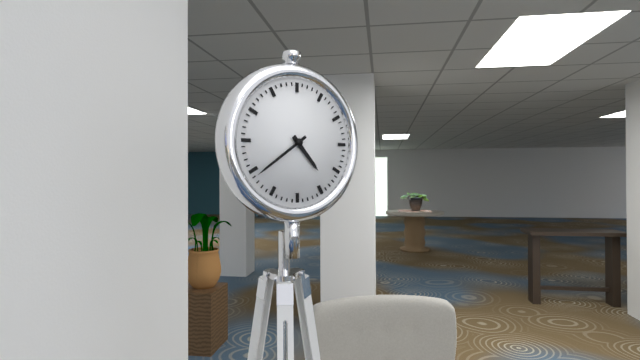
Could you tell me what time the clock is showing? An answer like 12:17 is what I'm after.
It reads 4:39
